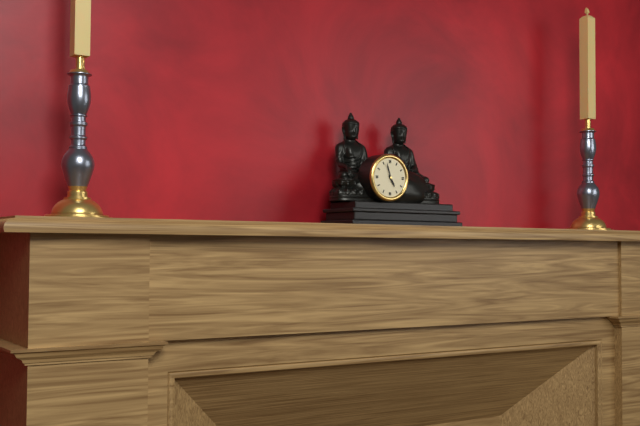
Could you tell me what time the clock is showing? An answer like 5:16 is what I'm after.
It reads 4:57
